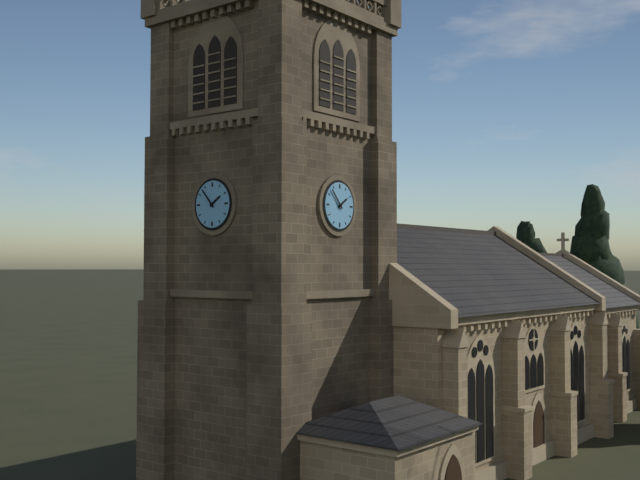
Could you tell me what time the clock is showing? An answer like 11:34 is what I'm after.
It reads 1:53
